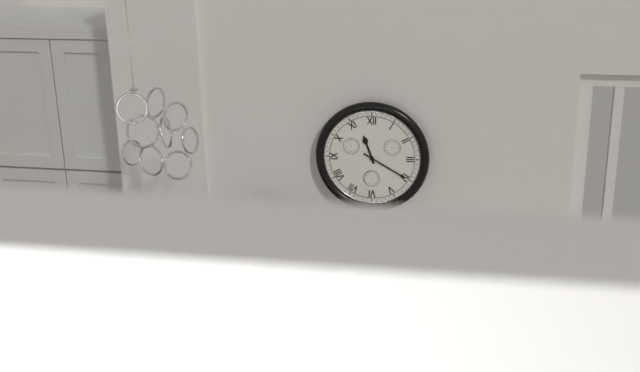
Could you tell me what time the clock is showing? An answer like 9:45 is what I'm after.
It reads 11:20
